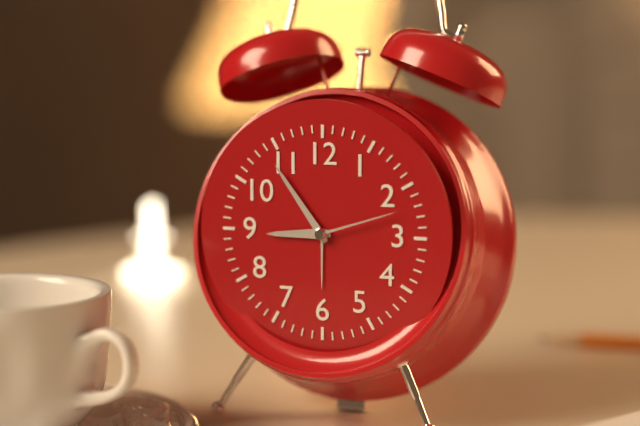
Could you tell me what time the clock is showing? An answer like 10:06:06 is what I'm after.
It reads 8:54:12
